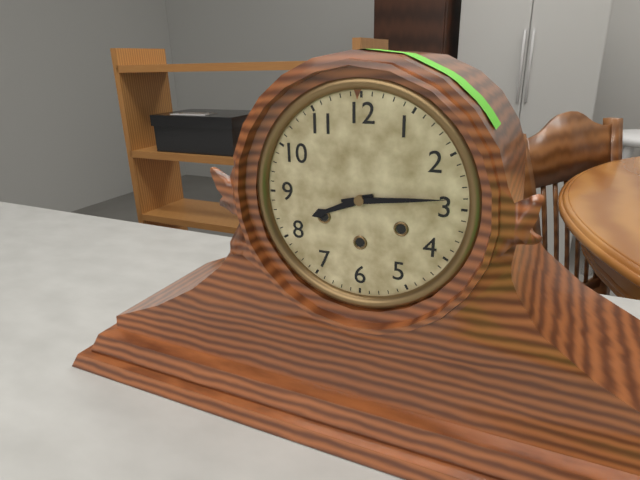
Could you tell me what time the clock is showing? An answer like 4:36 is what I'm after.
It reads 8:14
